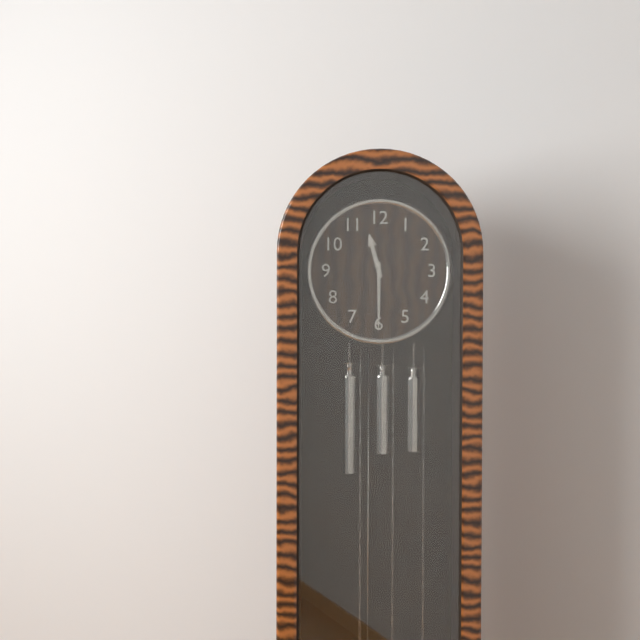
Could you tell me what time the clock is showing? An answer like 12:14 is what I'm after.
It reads 11:30
